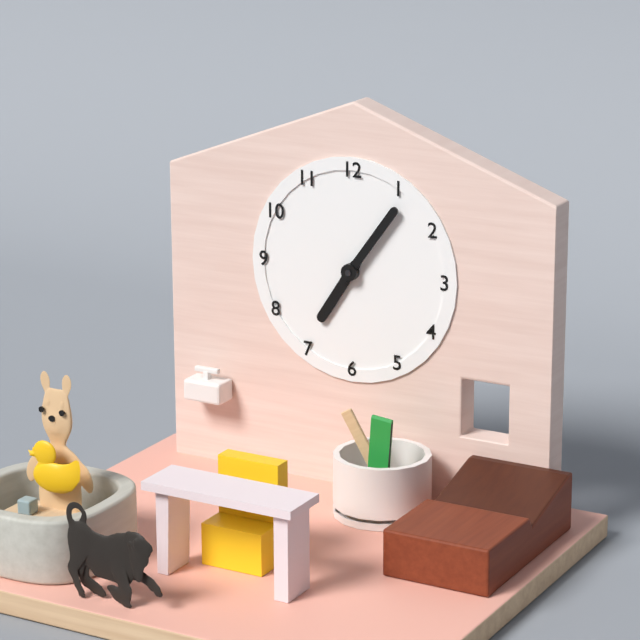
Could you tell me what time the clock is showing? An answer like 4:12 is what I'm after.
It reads 7:06
